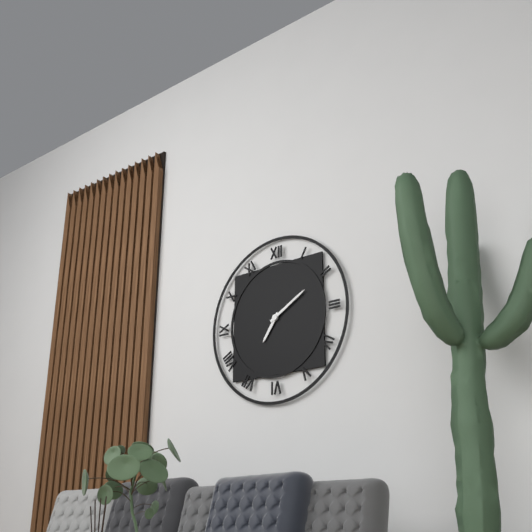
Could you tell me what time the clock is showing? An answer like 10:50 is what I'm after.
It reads 7:10
